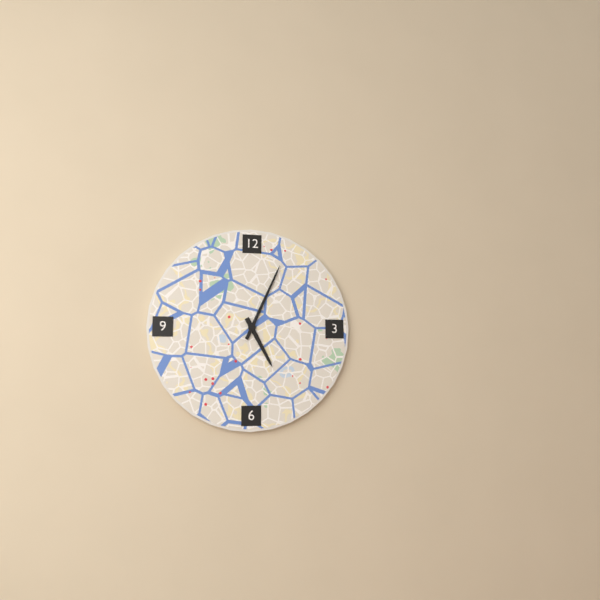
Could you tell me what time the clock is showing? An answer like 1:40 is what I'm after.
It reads 5:04
